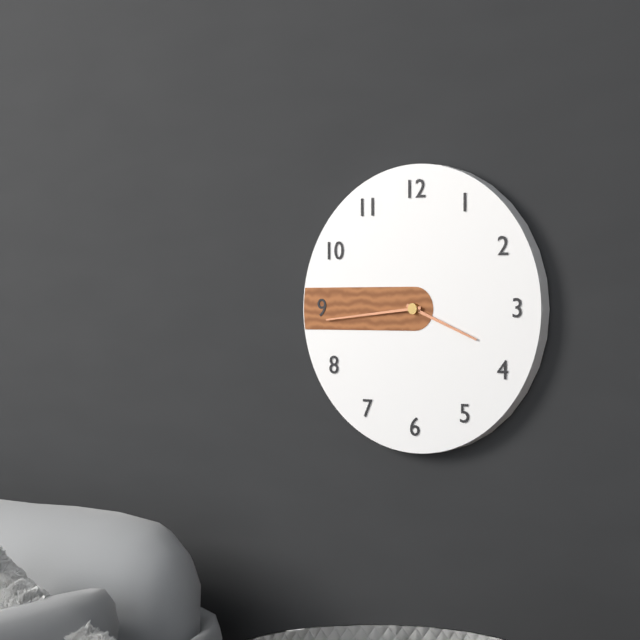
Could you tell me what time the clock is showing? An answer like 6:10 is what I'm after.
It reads 3:44
